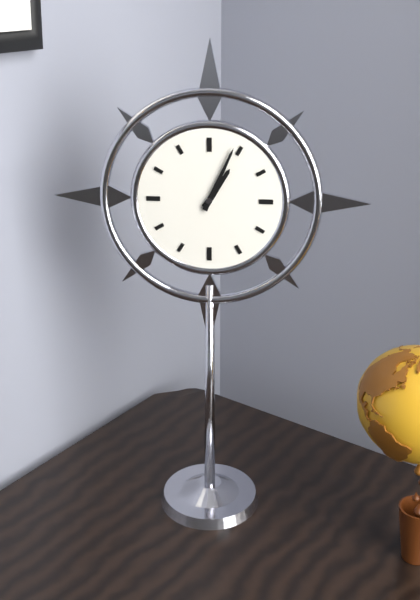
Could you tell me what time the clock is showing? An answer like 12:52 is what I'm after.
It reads 1:04
